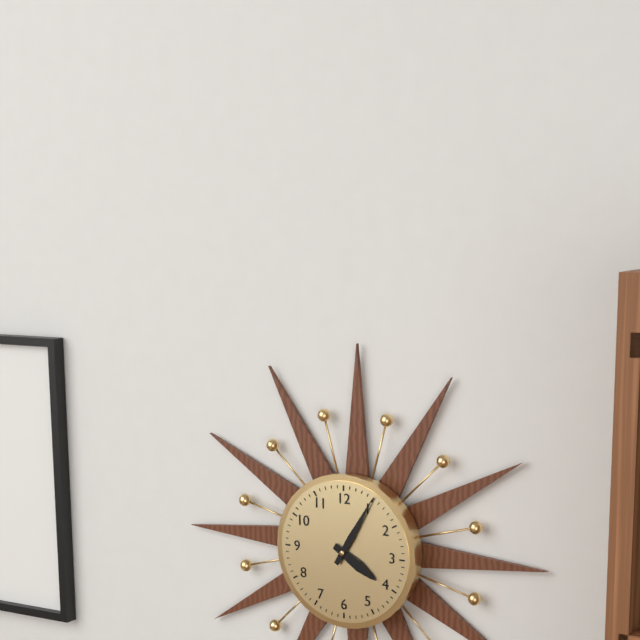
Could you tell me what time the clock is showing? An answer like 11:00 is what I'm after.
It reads 4:05
